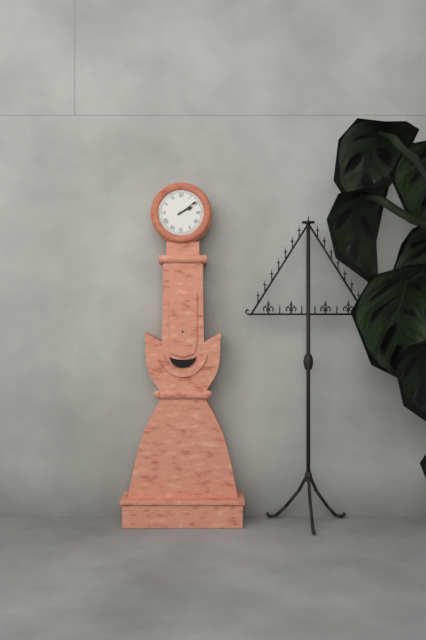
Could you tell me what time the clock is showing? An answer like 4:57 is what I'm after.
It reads 2:09
